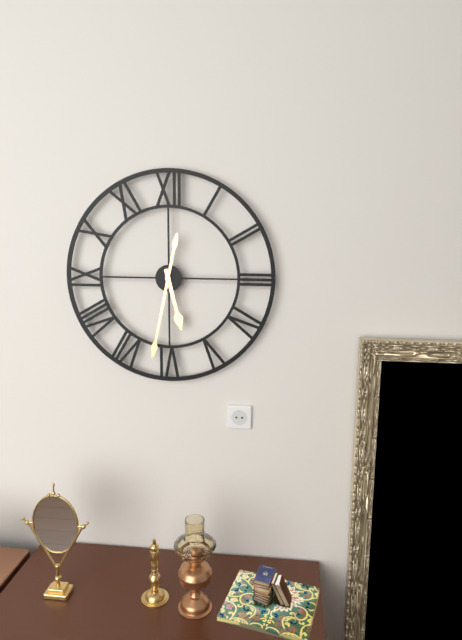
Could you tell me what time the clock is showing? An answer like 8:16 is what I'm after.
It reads 5:32
